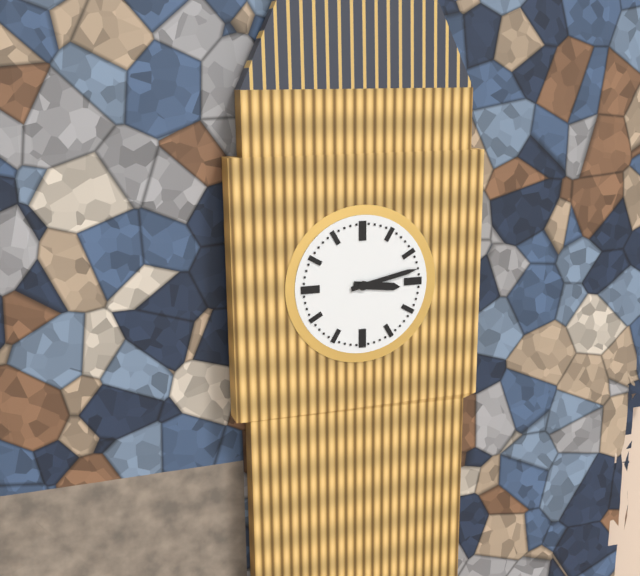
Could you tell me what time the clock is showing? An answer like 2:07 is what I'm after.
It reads 3:13
